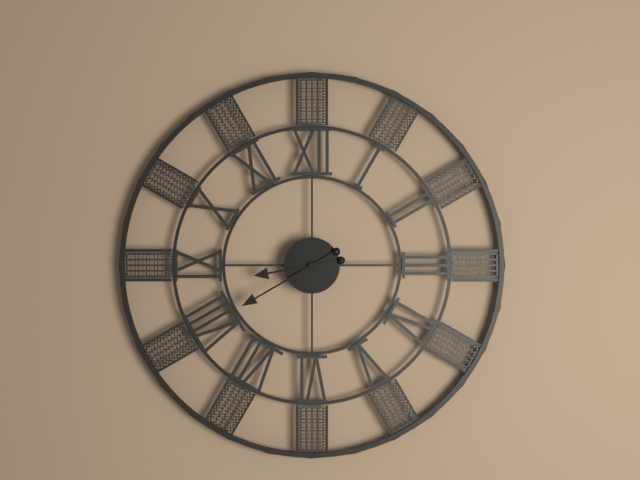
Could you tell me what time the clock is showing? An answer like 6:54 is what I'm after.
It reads 8:40
